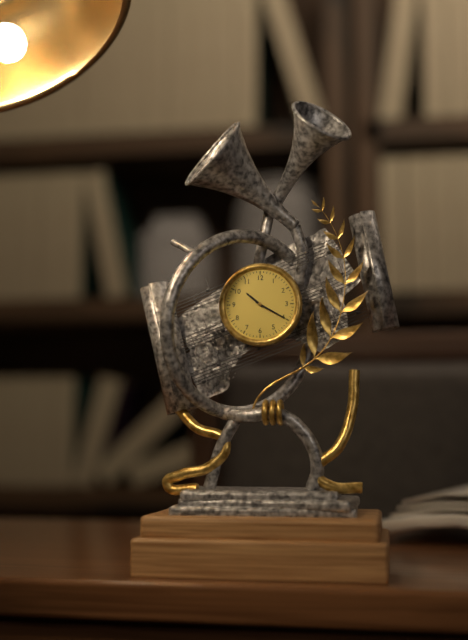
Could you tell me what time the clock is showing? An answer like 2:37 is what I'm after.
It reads 10:20
